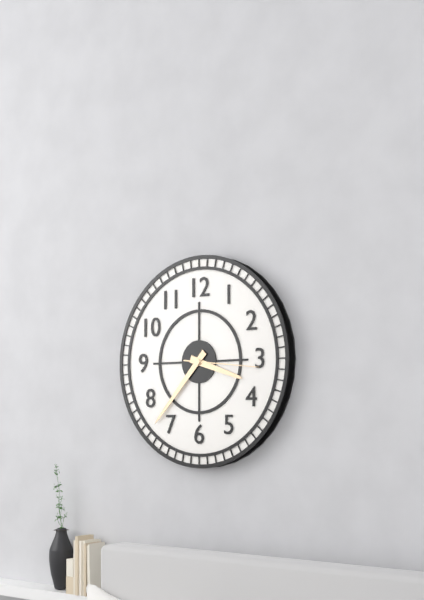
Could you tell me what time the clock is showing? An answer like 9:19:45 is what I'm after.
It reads 3:37:16
